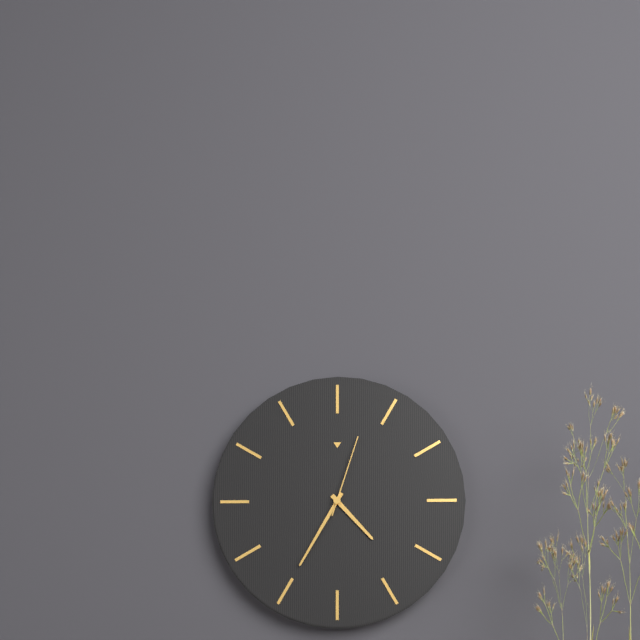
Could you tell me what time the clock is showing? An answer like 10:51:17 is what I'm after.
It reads 4:35:03
